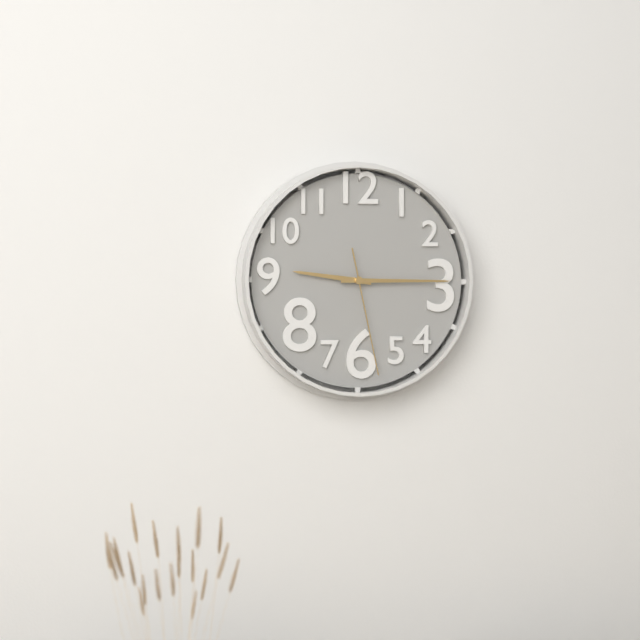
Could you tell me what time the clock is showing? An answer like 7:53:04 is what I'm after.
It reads 9:15:28
